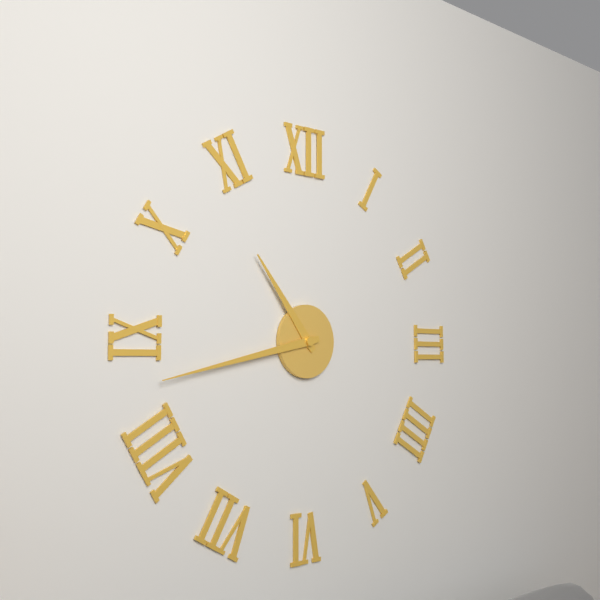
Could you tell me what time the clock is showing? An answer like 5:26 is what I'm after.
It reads 10:43
